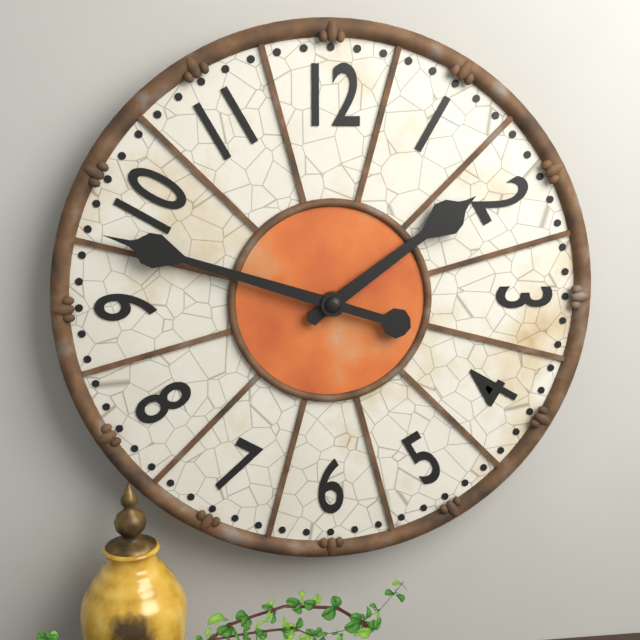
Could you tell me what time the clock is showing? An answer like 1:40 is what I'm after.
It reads 1:48
